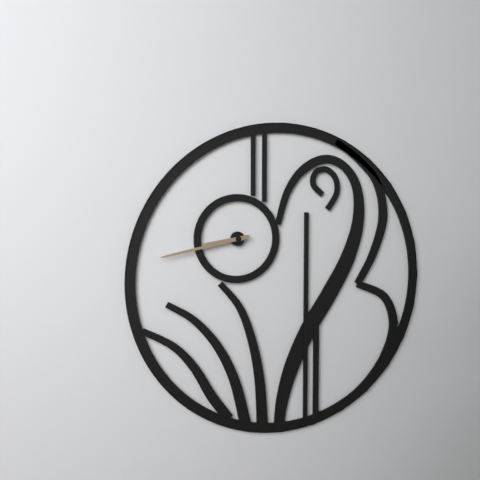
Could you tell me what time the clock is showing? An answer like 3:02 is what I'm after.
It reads 8:43
